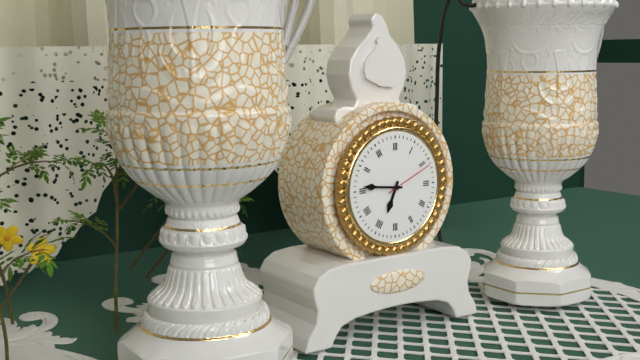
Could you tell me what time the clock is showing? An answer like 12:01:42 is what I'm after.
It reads 6:46:11
